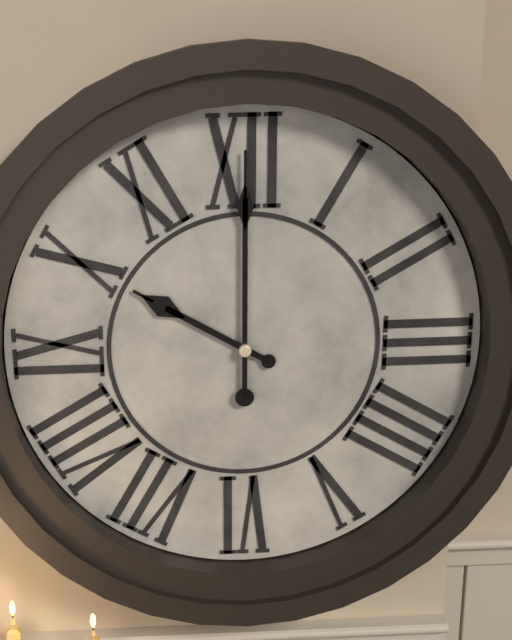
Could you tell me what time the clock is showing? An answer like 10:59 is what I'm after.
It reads 10:00
